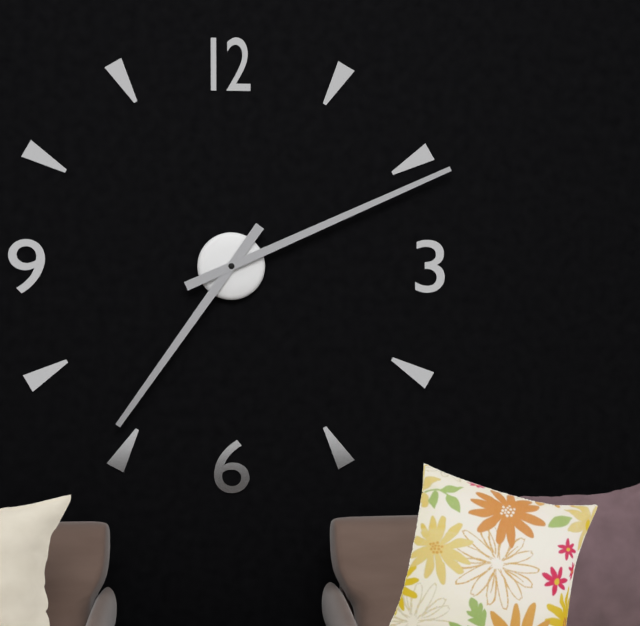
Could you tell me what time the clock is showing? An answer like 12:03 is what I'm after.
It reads 7:11
